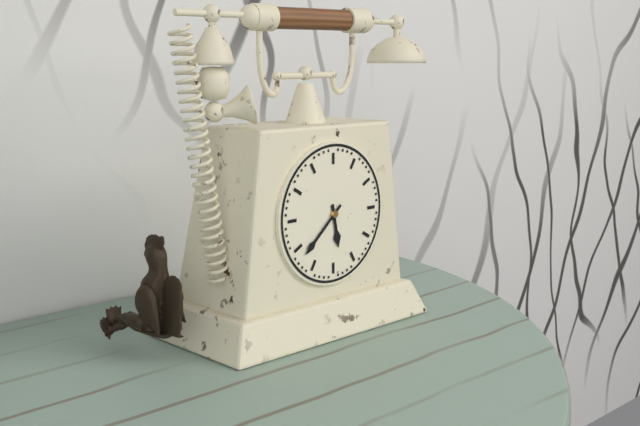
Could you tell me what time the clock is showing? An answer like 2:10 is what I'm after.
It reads 5:38
